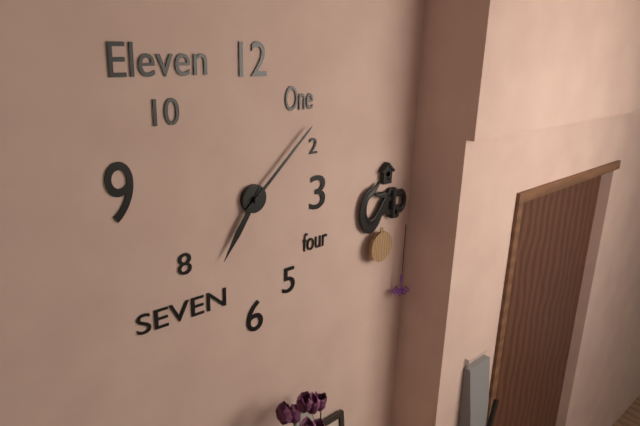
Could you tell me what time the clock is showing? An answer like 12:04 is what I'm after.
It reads 7:08
